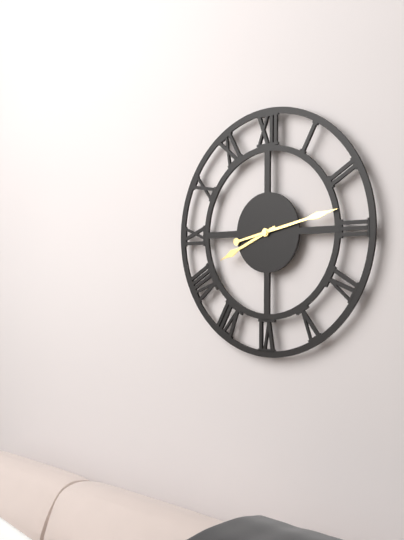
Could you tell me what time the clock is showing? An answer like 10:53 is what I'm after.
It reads 8:13
